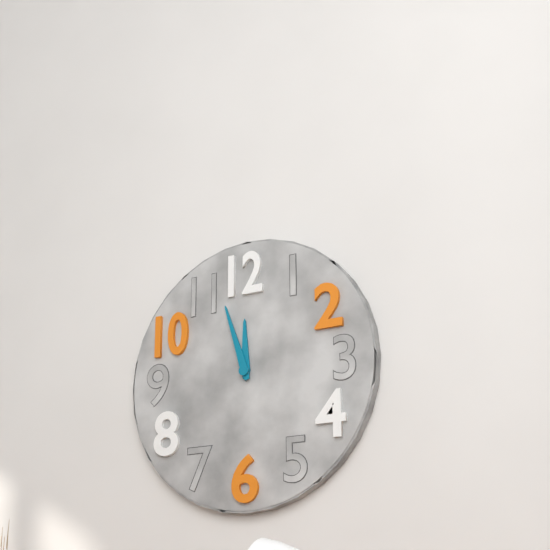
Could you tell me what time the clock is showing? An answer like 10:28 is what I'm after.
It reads 11:57
